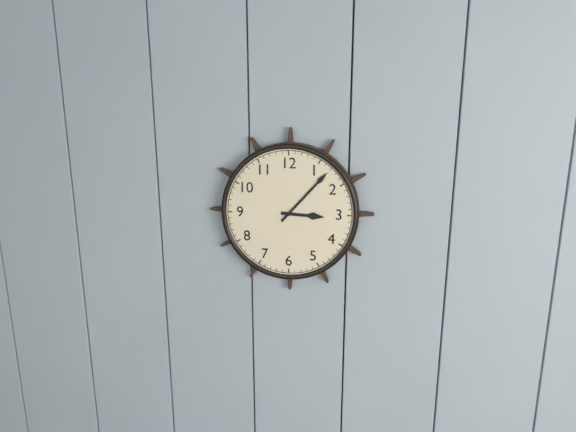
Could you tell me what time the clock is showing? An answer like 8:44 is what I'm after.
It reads 3:07
